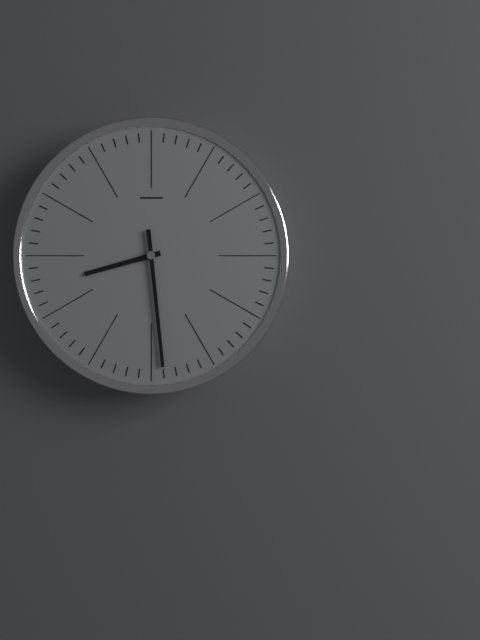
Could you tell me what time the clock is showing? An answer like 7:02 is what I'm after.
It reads 8:29
